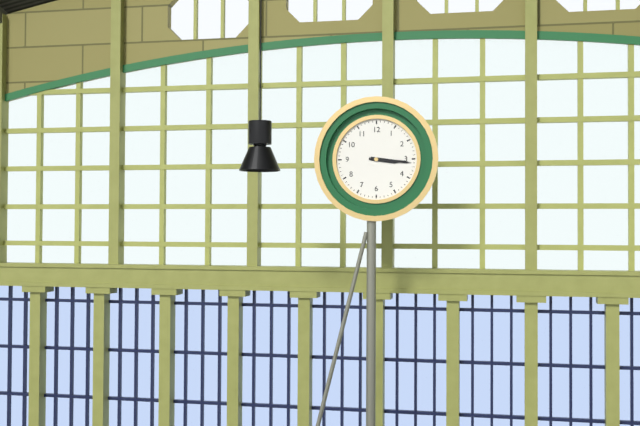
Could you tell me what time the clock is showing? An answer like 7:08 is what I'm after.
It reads 3:16
